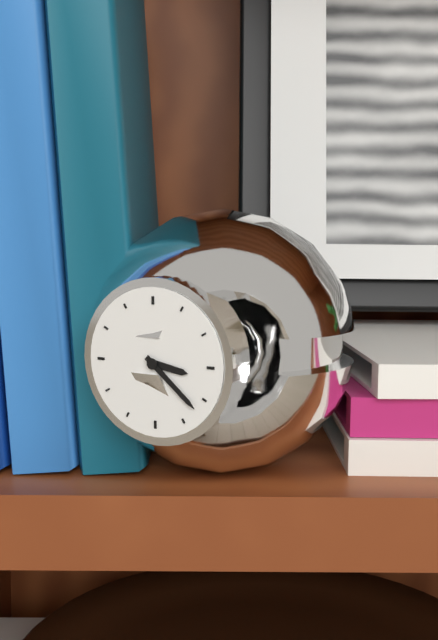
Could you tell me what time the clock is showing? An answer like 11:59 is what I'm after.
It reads 3:22
